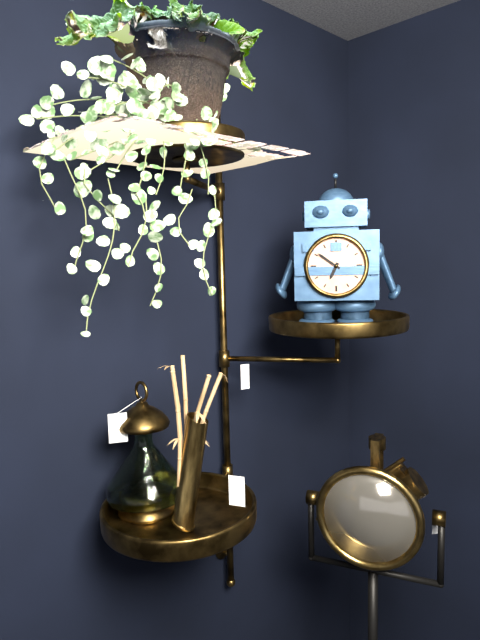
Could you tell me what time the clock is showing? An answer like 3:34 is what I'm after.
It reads 6:51
